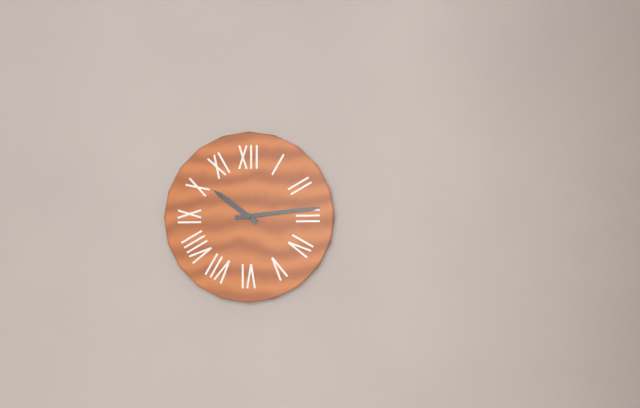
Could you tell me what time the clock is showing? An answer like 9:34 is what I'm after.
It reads 10:14
